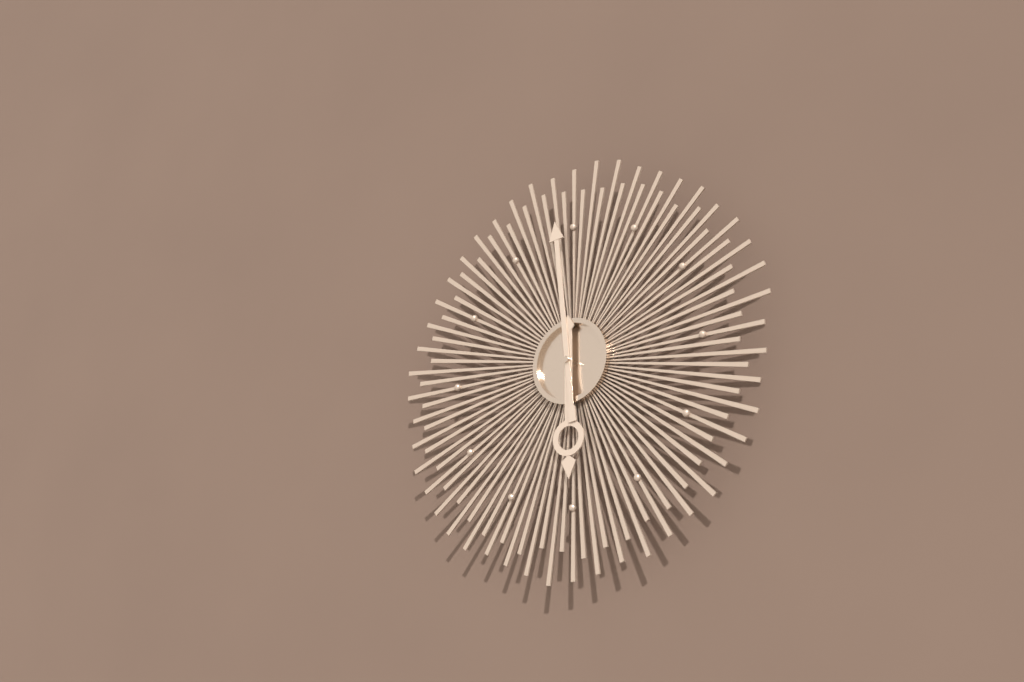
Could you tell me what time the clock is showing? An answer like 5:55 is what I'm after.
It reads 5:59
